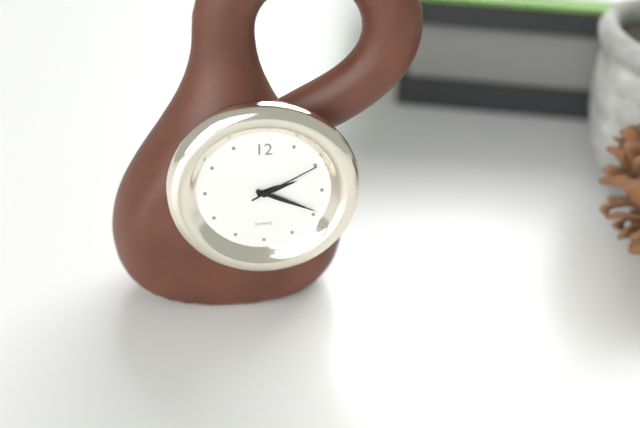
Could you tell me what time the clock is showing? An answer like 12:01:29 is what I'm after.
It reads 2:19:10
